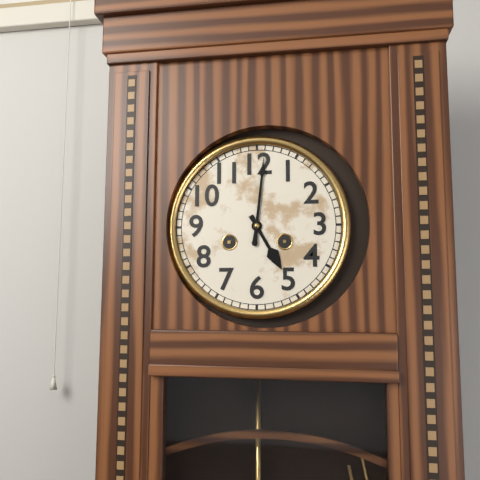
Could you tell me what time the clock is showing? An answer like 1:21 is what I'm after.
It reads 5:01
